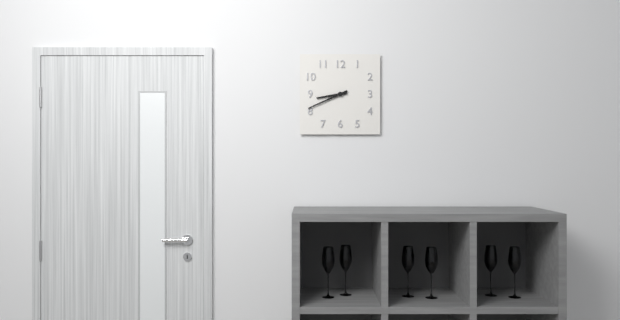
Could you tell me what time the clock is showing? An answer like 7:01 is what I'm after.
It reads 8:41
